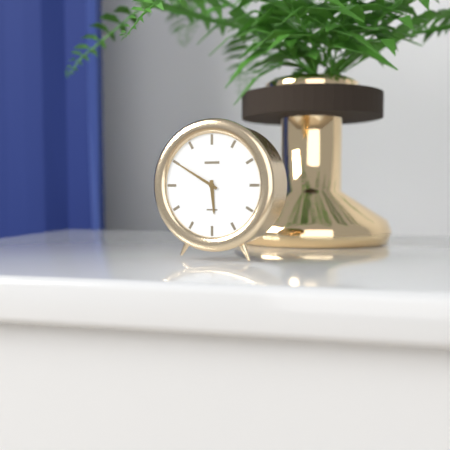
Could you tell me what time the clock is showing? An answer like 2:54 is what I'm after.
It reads 5:50
